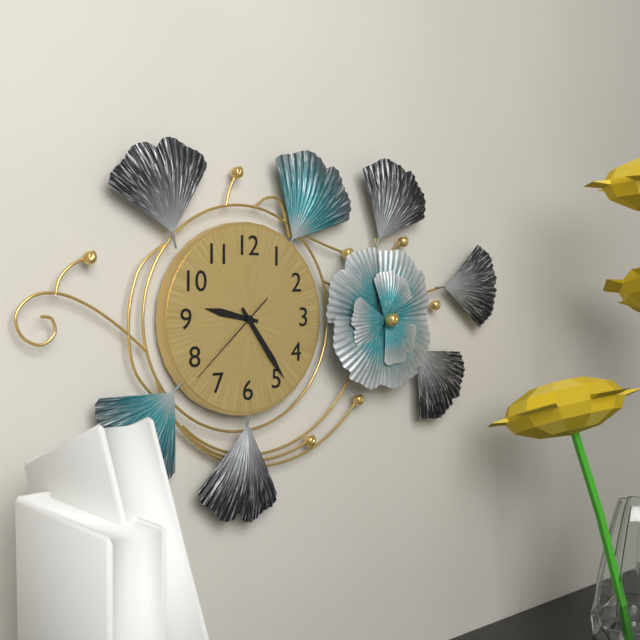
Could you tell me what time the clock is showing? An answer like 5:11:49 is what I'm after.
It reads 9:24:38
